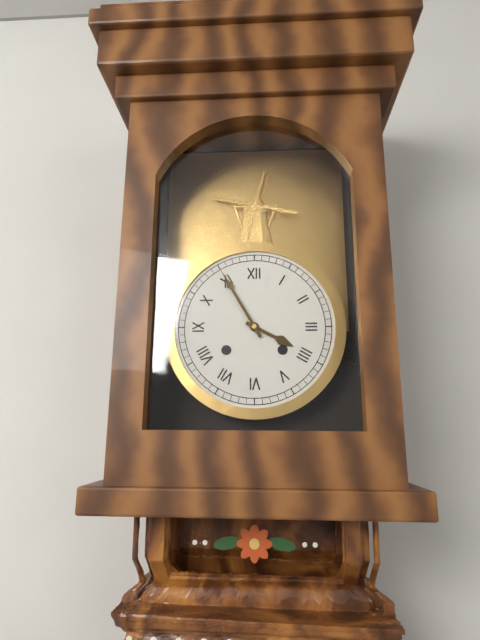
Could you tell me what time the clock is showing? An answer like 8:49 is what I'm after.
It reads 3:55
